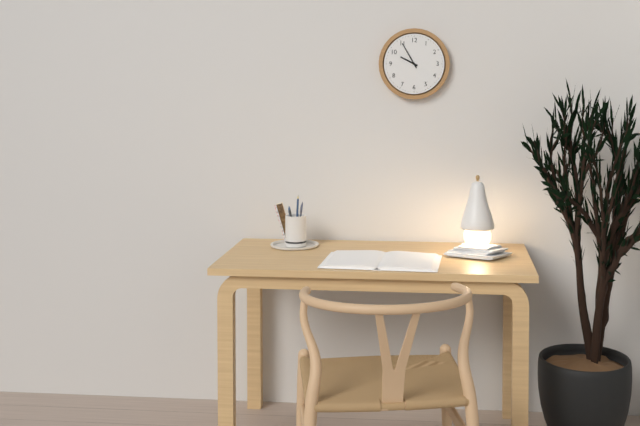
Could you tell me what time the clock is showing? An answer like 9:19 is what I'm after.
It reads 9:55
